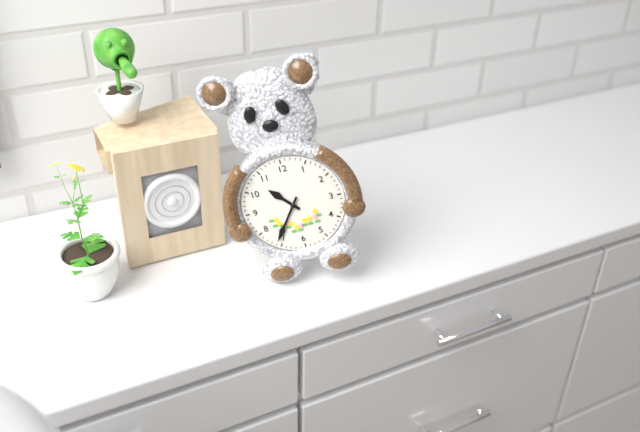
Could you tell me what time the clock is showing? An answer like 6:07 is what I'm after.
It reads 10:36
